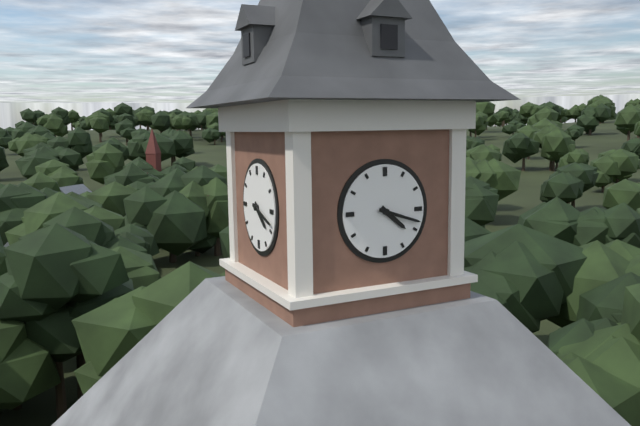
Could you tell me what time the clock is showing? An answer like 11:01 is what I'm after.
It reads 4:18
